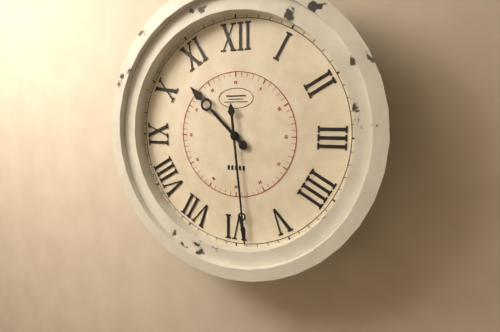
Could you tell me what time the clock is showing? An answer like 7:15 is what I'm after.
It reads 10:29
